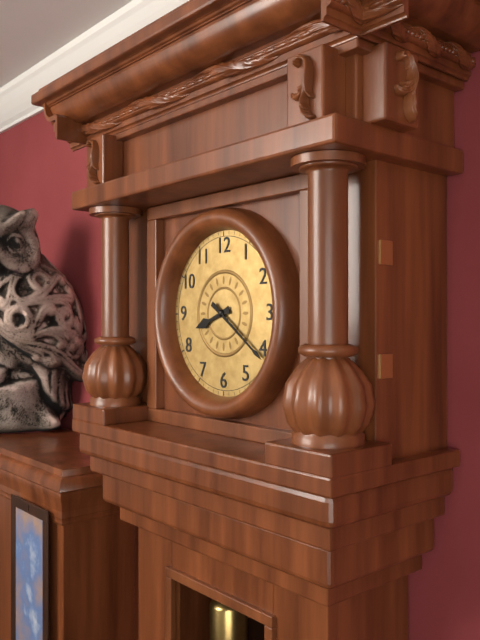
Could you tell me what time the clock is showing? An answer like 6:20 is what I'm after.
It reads 8:21
